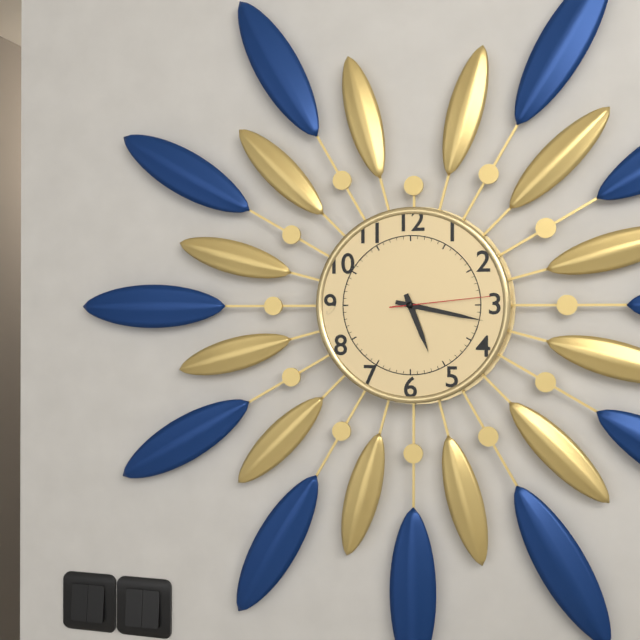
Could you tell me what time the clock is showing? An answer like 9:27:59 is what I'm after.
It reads 5:17:14
